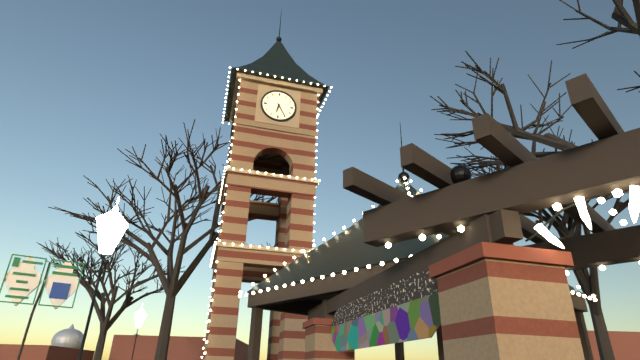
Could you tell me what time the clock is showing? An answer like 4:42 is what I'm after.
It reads 6:25
